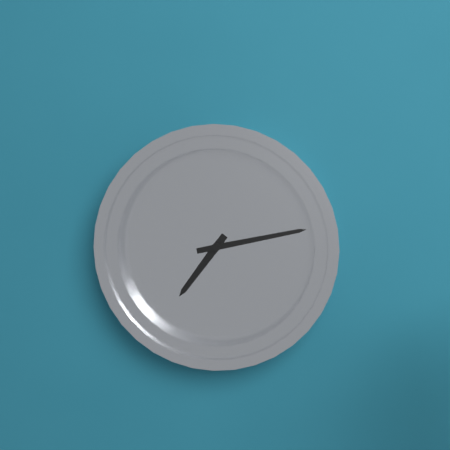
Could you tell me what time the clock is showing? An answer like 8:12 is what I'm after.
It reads 7:13
